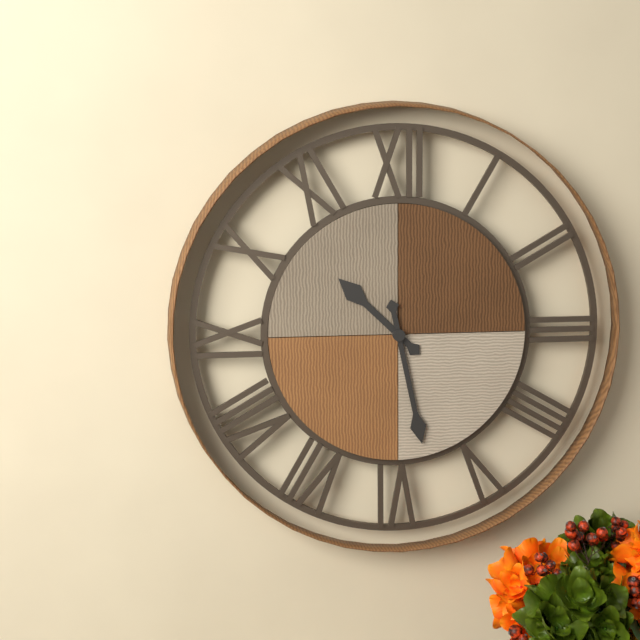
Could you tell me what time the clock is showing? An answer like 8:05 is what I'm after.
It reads 10:28
